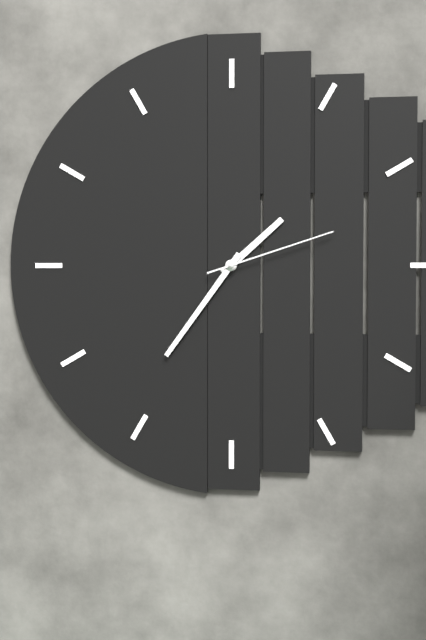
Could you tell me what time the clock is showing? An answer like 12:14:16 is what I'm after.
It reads 1:36:12
